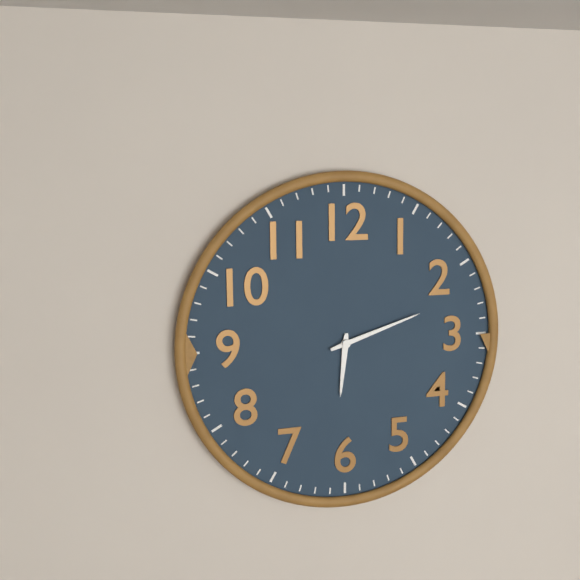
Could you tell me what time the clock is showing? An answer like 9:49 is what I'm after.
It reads 6:12
